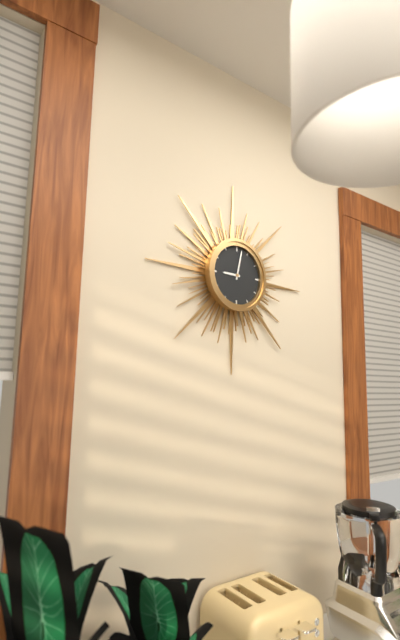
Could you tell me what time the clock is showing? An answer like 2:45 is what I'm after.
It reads 9:02
